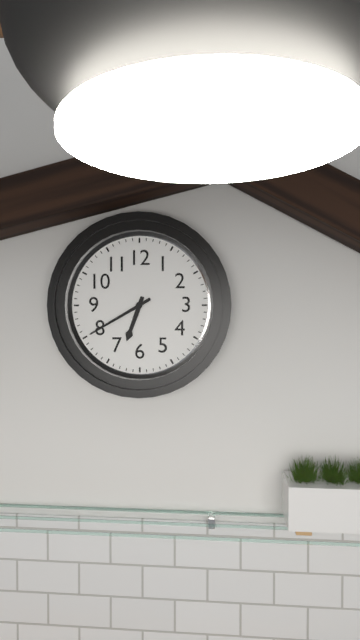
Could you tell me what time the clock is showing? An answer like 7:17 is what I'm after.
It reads 6:40
